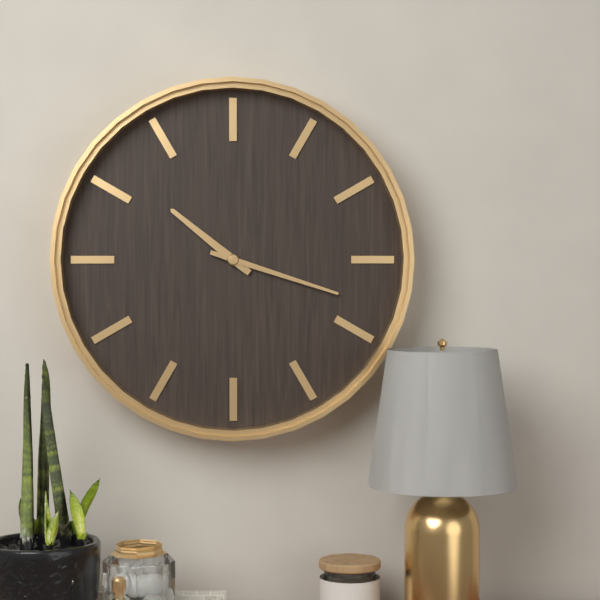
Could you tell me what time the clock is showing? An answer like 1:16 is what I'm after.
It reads 10:18
